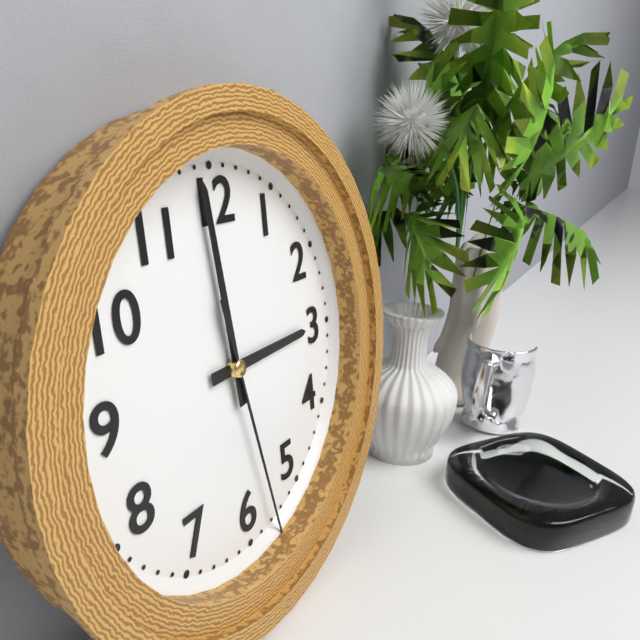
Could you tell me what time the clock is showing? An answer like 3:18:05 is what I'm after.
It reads 2:59:28
